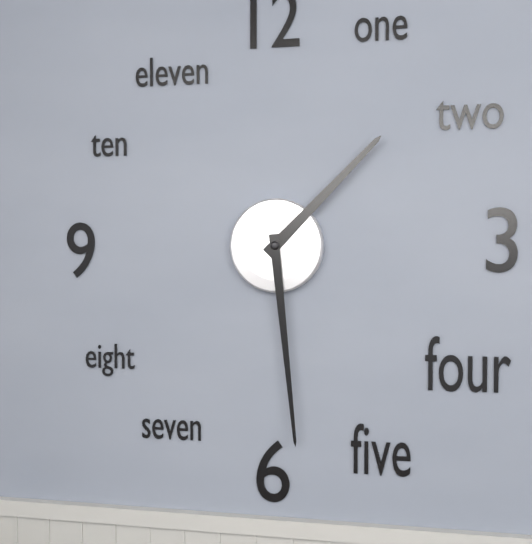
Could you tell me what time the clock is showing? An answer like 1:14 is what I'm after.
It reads 1:29
